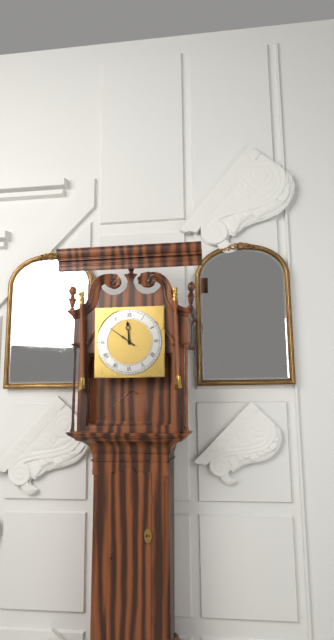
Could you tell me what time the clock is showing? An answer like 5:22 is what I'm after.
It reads 11:51
